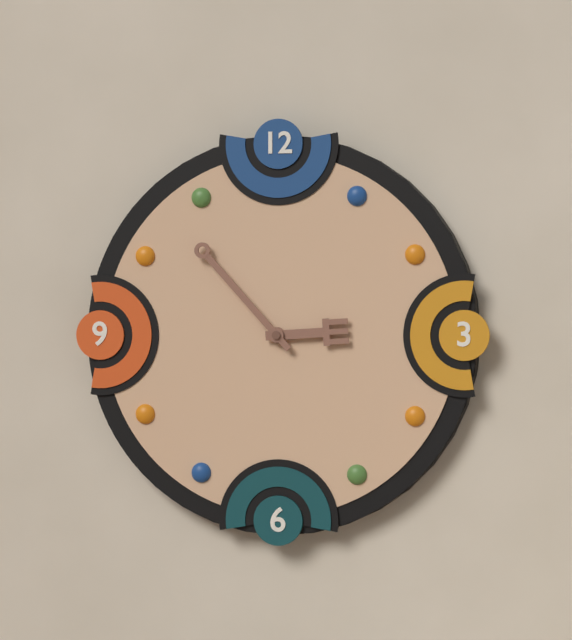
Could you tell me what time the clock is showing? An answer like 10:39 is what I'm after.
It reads 2:53
